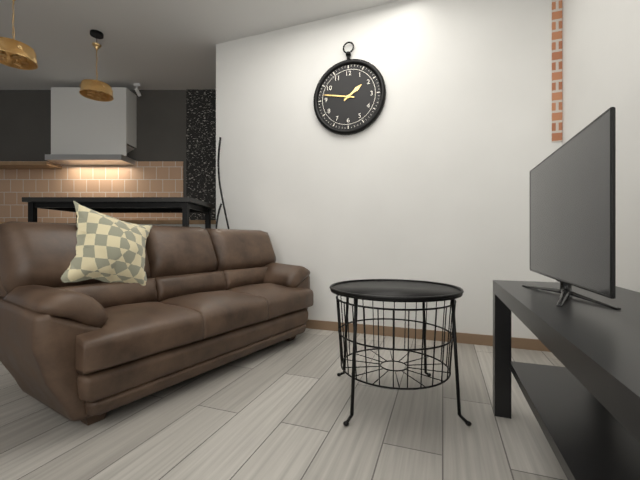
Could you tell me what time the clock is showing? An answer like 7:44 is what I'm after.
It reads 1:47
